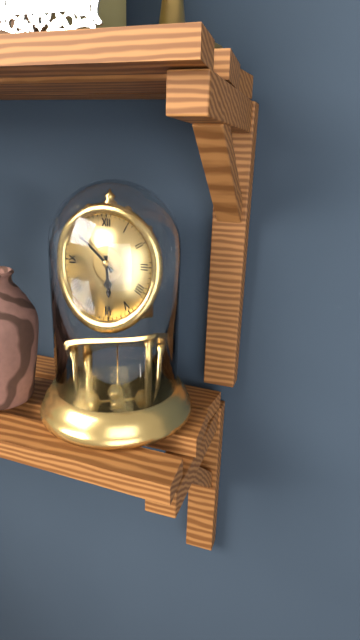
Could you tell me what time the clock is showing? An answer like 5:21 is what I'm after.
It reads 5:52
